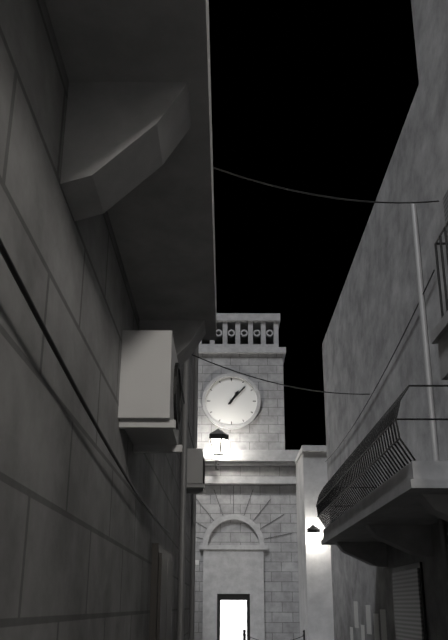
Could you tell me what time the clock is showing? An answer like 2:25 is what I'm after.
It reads 1:07
